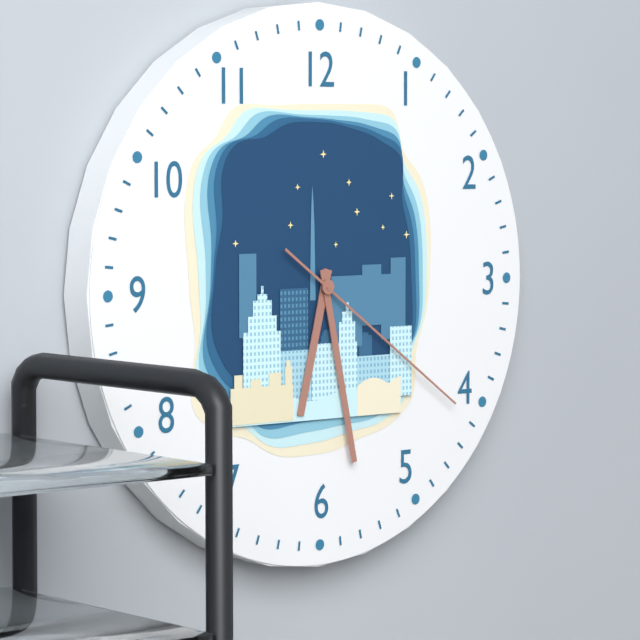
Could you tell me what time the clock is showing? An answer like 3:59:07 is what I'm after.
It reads 6:28:21
